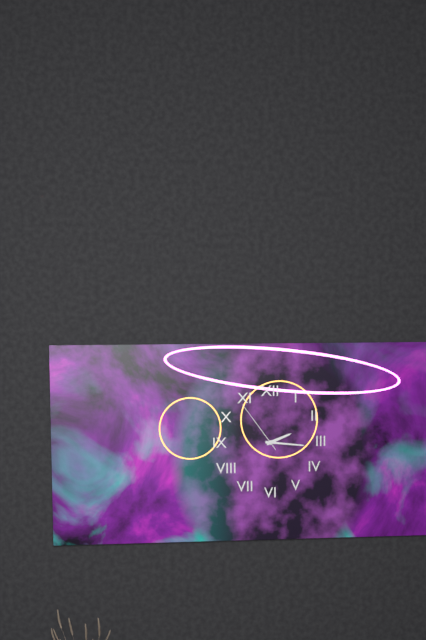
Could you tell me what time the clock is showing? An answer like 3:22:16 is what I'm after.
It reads 2:16:54
